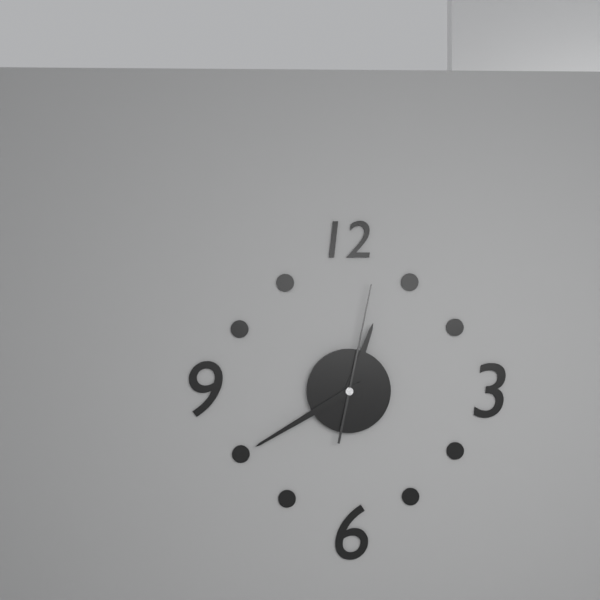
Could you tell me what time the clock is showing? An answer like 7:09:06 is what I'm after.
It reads 12:40:02
